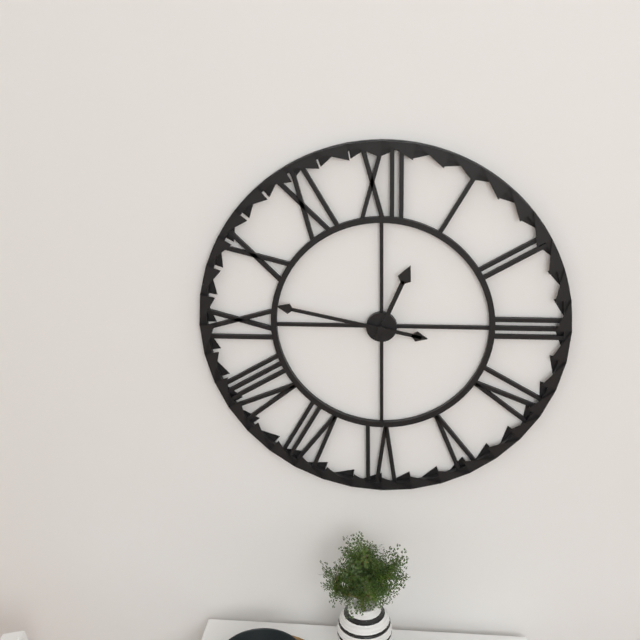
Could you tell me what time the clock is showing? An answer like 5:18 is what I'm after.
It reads 12:47
